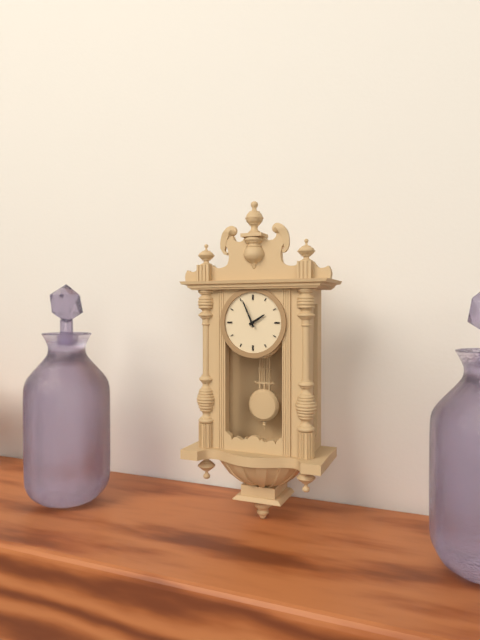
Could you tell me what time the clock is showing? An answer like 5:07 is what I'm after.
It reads 1:56
